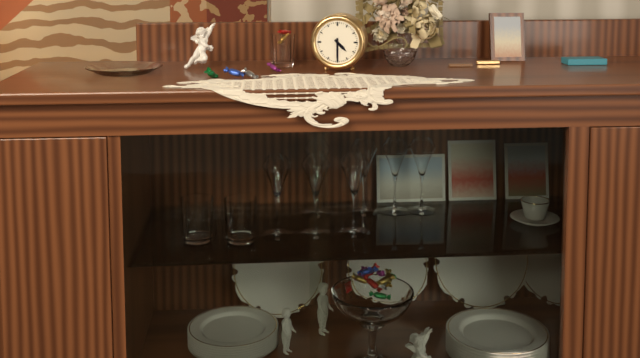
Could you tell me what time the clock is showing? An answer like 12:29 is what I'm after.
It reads 4:30
